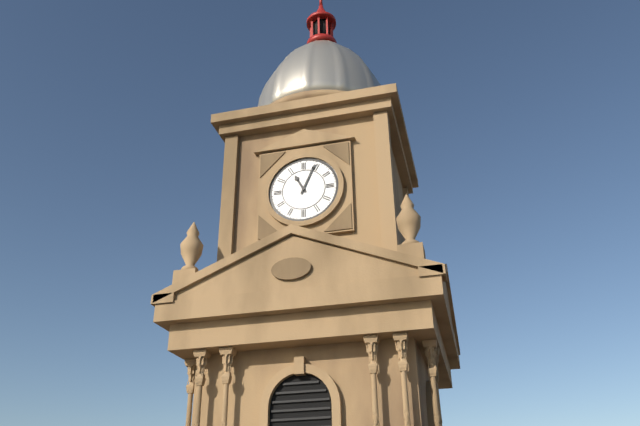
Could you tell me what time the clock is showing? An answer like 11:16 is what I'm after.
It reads 11:04
